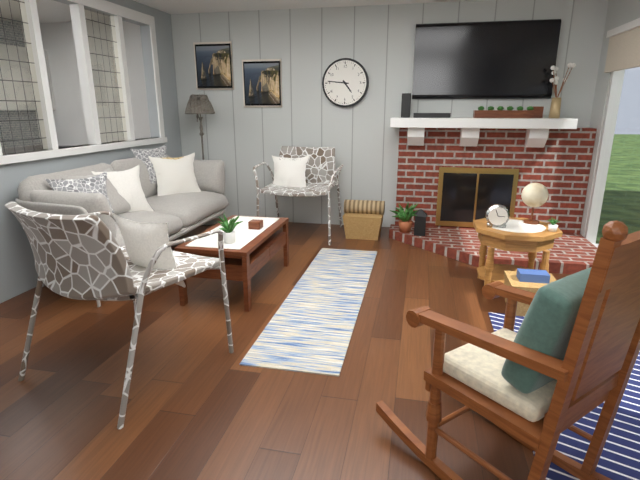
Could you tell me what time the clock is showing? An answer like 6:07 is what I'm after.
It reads 4:46
